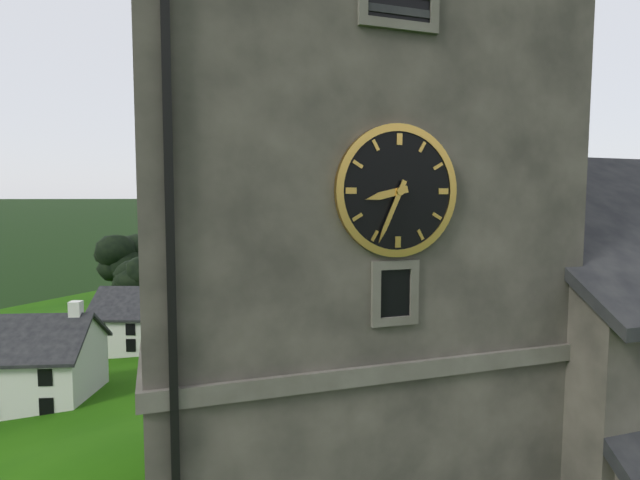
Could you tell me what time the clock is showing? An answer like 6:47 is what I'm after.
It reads 8:34
